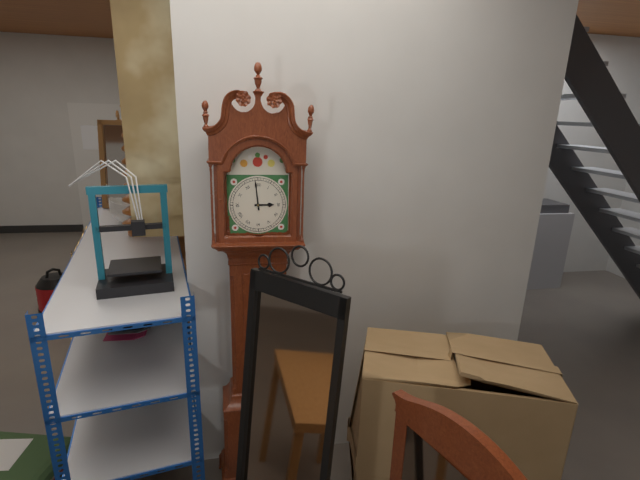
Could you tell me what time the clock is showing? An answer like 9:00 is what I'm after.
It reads 2:59
